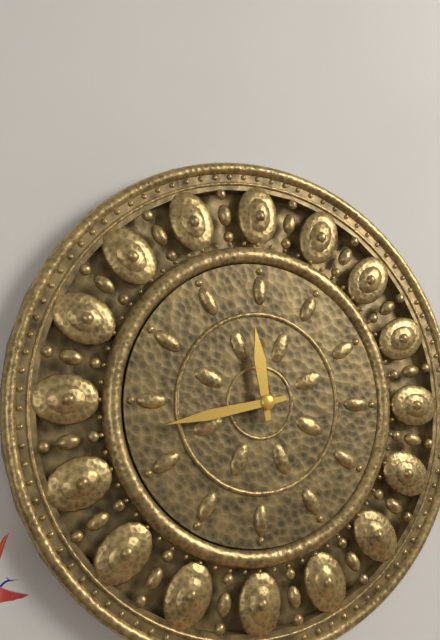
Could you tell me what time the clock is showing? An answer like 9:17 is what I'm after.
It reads 11:43
